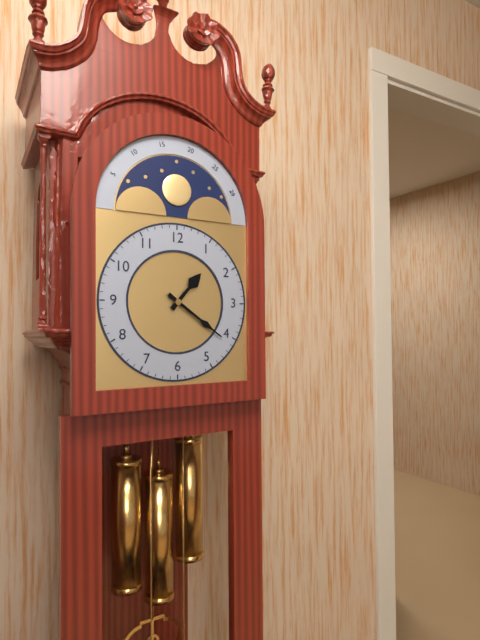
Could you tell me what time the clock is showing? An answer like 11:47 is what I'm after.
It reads 1:21
